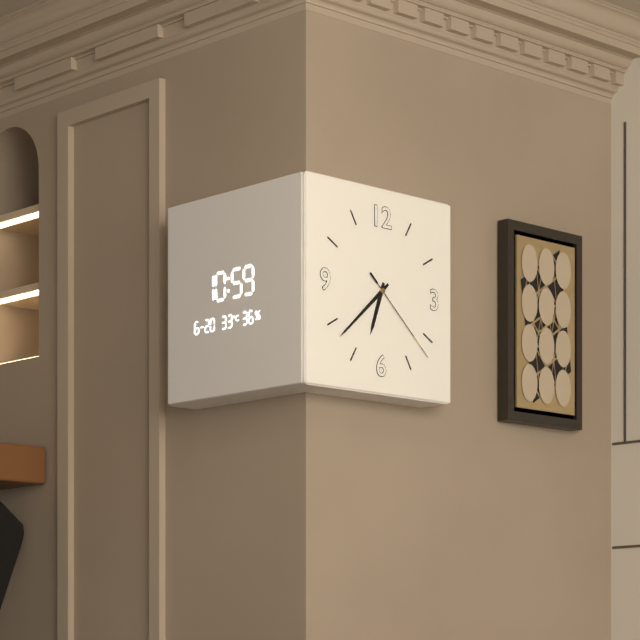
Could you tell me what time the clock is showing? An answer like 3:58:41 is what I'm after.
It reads 6:38:22
